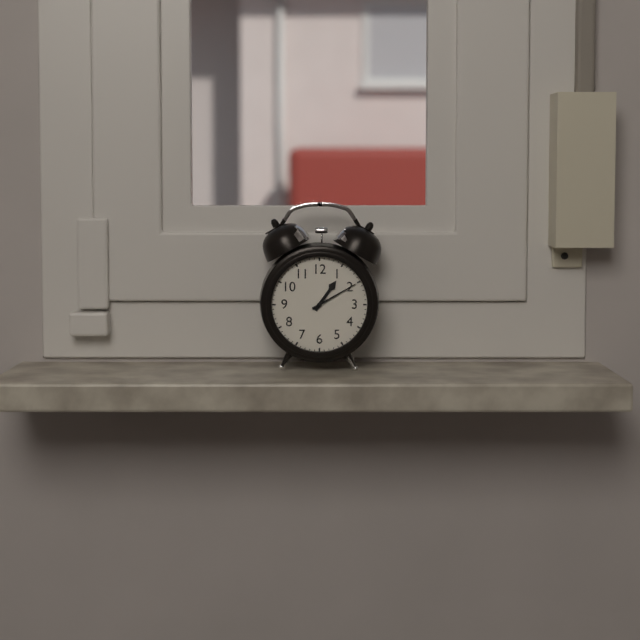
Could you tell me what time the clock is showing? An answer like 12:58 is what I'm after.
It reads 1:10
